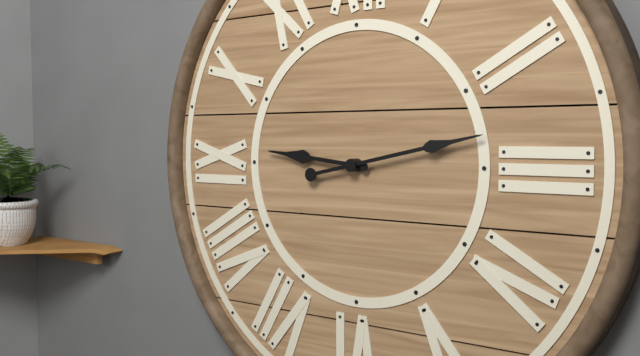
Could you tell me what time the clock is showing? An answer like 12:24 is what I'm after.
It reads 9:13
